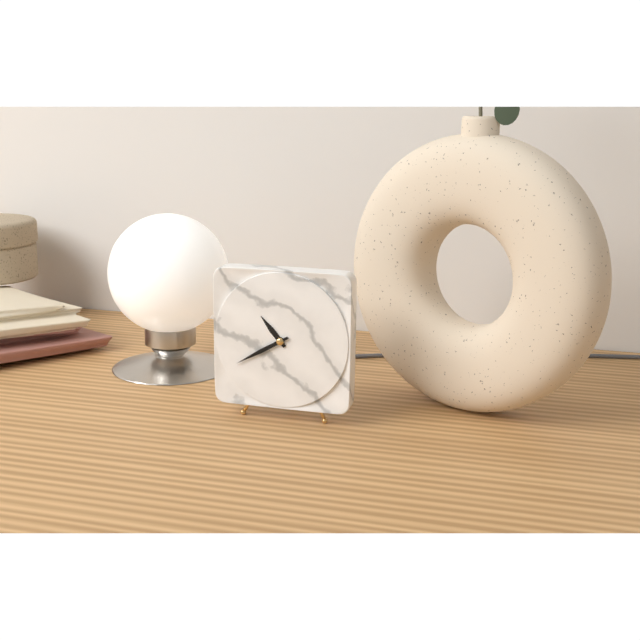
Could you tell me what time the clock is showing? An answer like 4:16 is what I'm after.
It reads 10:40
